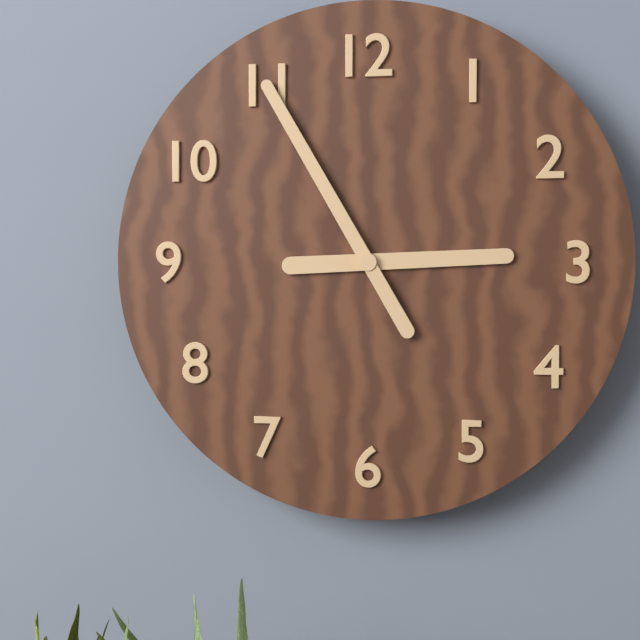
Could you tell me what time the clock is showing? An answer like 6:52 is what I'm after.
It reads 2:55
